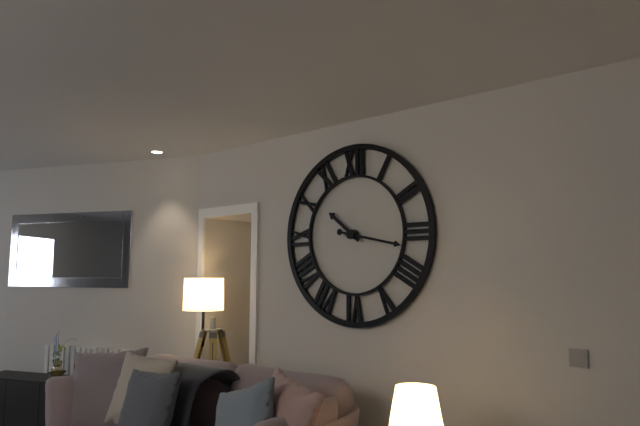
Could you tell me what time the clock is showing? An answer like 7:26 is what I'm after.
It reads 10:17
